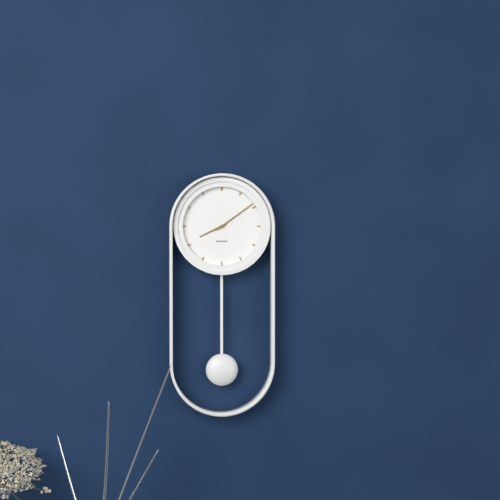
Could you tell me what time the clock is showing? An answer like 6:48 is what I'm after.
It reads 8:09
